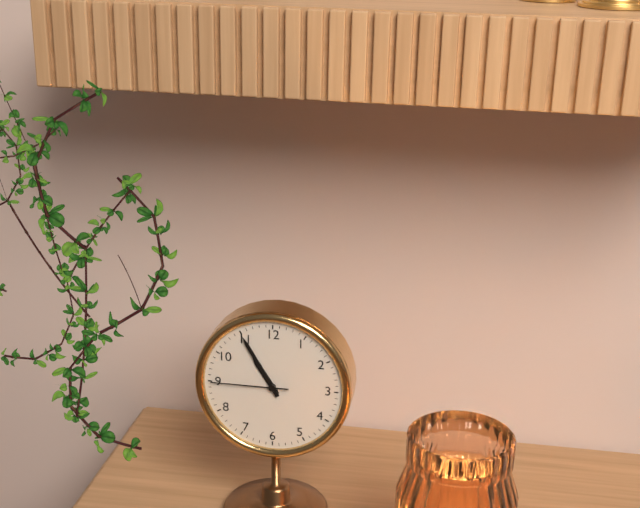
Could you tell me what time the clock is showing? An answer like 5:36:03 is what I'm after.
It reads 10:55:45
